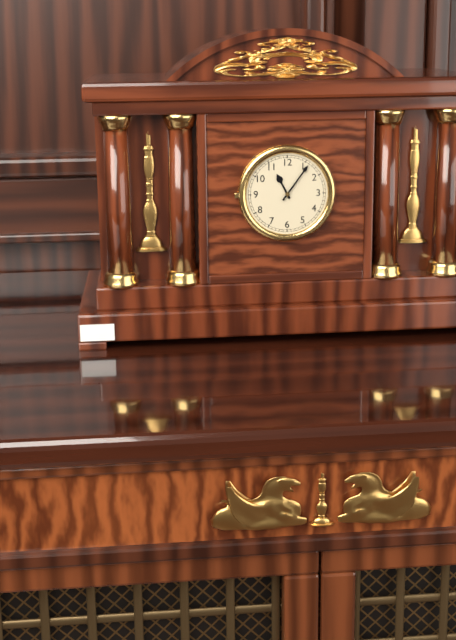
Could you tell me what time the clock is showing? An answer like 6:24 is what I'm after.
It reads 11:06
